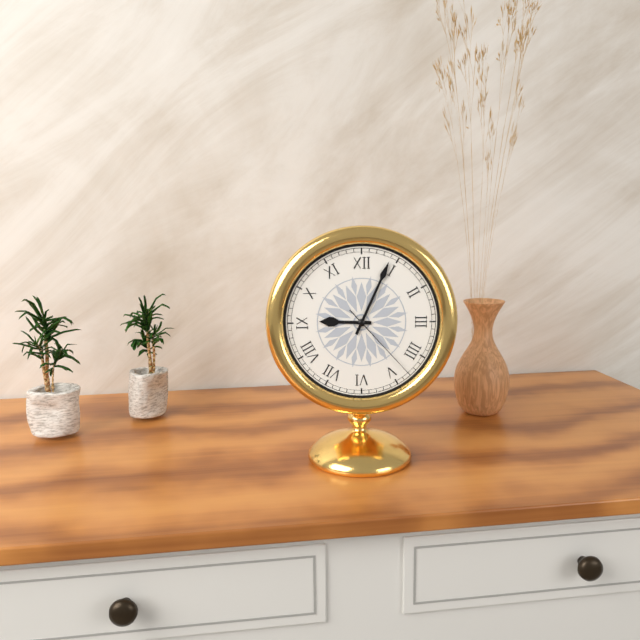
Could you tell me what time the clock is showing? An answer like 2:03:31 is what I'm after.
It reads 9:04:23
